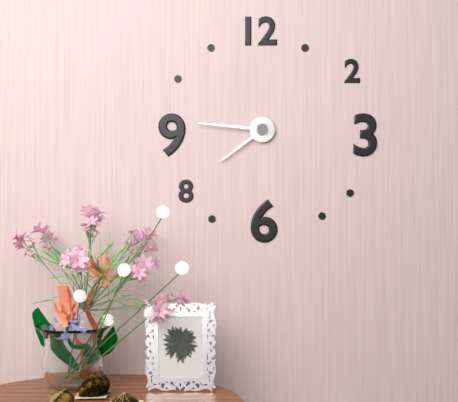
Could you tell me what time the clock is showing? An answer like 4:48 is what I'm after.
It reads 7:46
